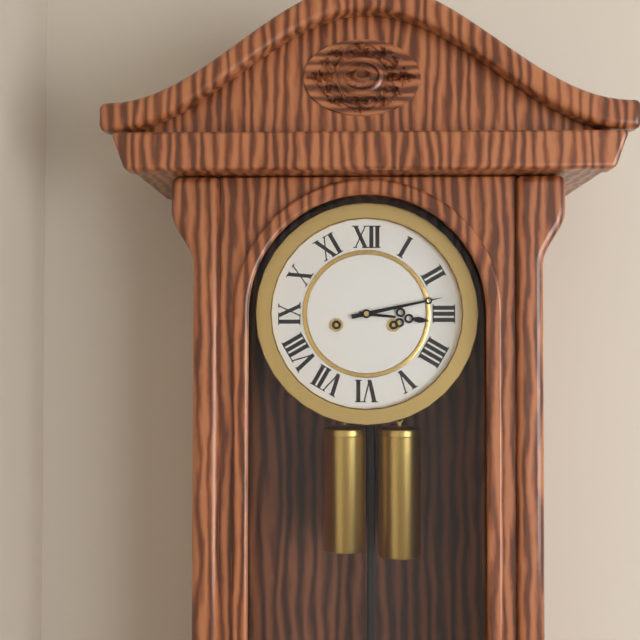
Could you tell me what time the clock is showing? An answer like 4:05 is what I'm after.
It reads 3:13
